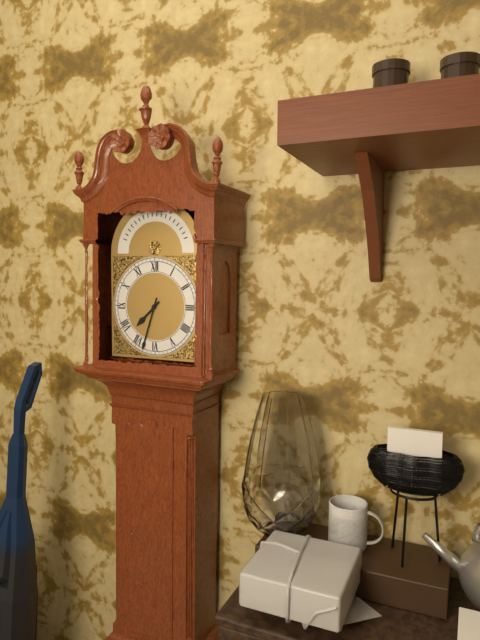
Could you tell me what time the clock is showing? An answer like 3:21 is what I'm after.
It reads 7:33
